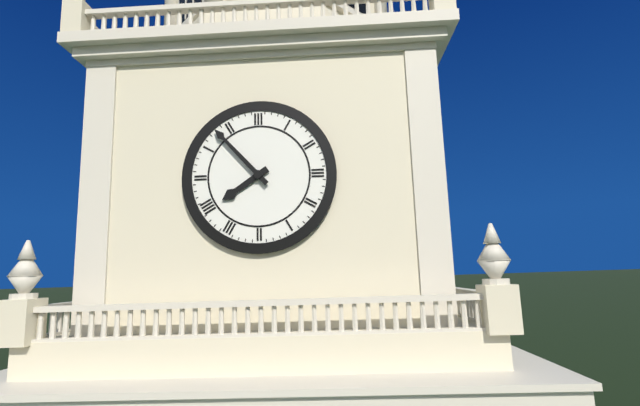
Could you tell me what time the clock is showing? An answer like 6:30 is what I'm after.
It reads 7:53
